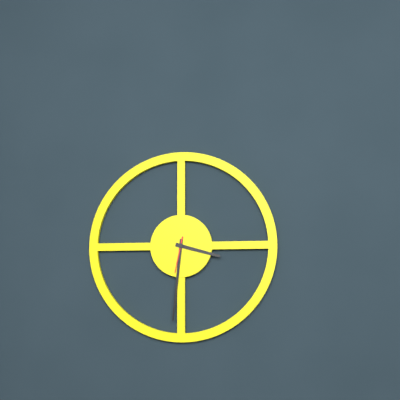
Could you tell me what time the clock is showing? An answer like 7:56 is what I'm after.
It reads 3:31
